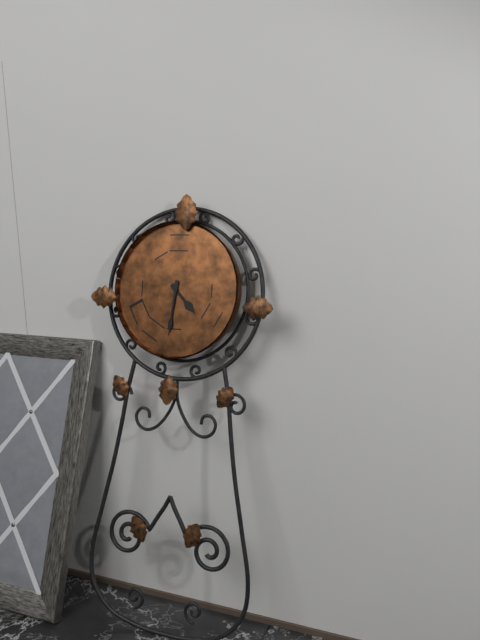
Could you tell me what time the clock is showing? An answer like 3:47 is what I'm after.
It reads 4:31
